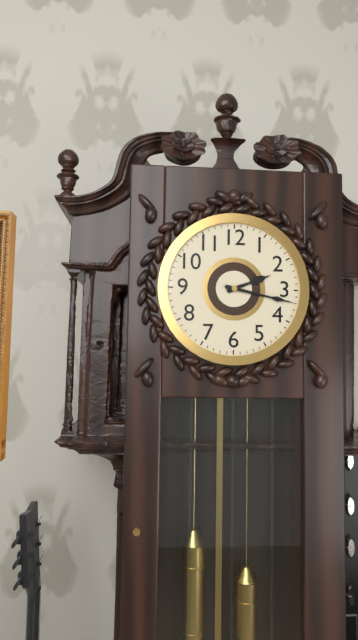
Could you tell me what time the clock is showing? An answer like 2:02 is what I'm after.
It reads 2:17
